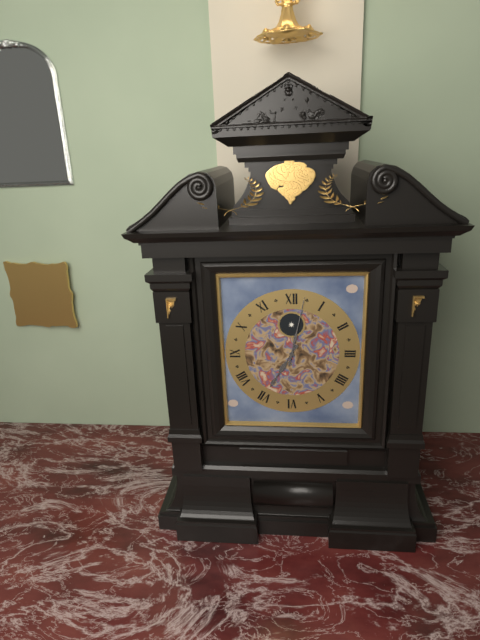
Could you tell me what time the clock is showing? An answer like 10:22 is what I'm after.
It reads 7:02
